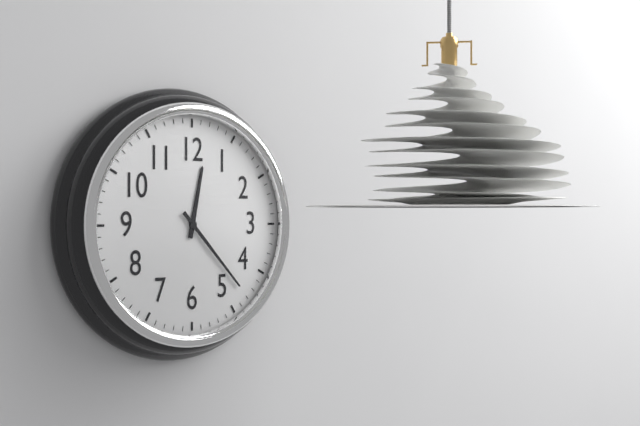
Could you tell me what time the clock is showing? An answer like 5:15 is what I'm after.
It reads 12:23
